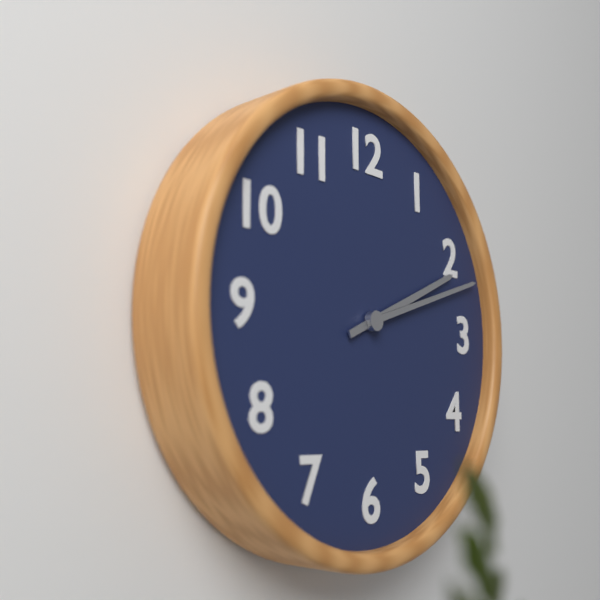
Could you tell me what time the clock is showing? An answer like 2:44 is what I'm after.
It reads 2:12
